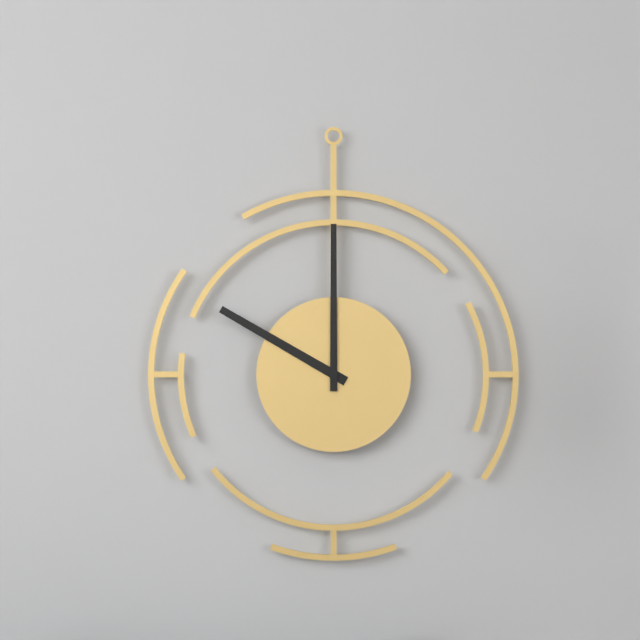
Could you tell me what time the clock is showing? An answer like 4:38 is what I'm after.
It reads 10:00
